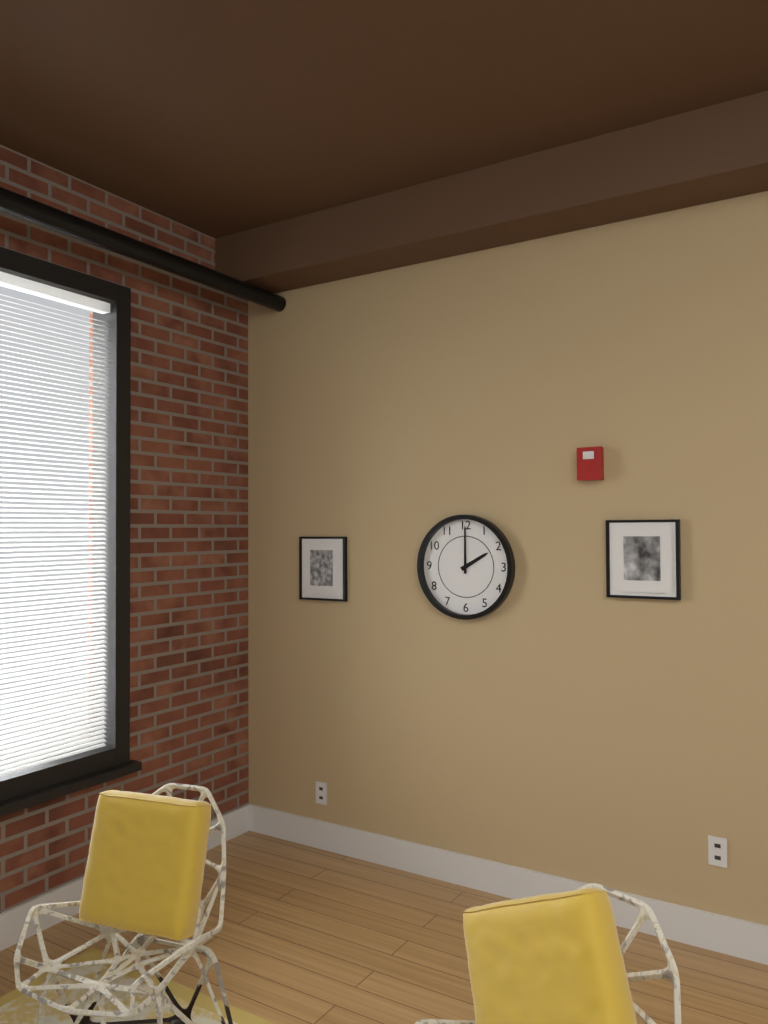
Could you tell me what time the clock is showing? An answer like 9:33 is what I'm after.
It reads 2:00
